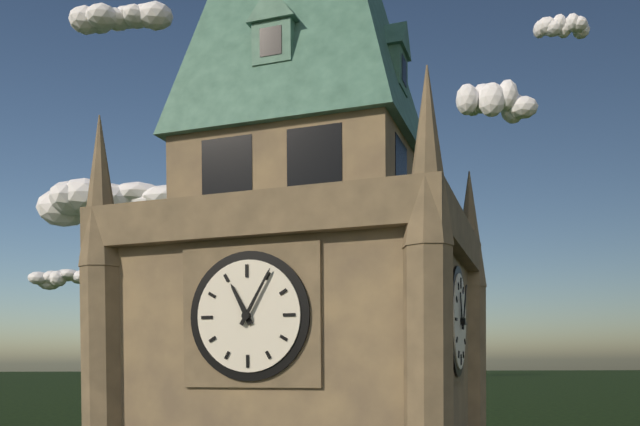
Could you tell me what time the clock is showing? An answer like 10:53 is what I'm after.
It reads 11:05
